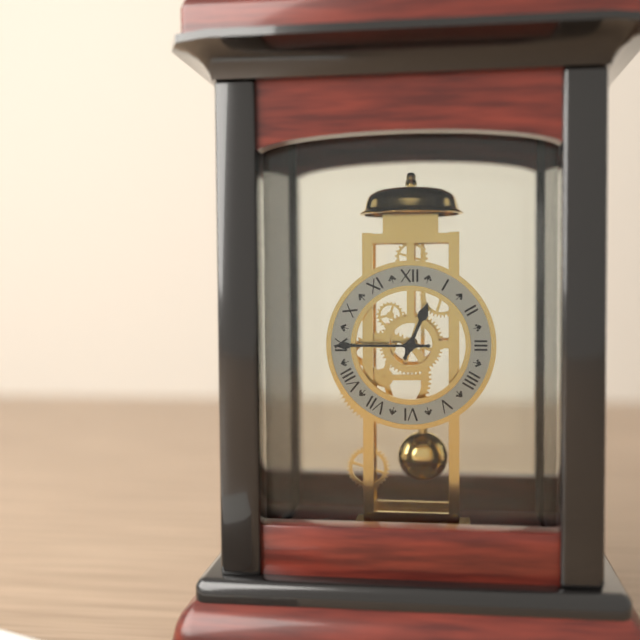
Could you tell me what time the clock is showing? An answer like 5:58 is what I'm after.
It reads 12:45
